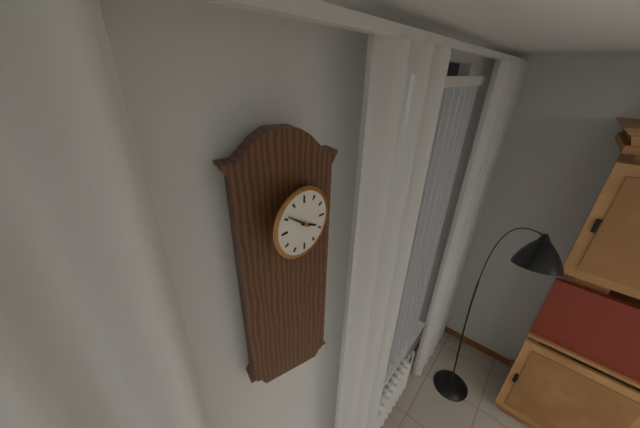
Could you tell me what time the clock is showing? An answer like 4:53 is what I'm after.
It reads 3:51
